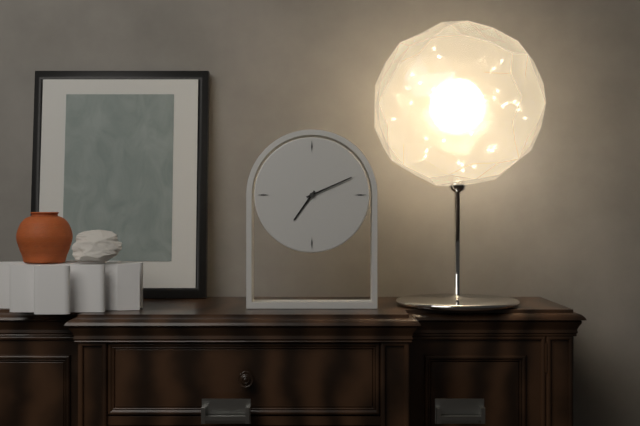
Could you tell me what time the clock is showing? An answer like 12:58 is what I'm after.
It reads 7:11
